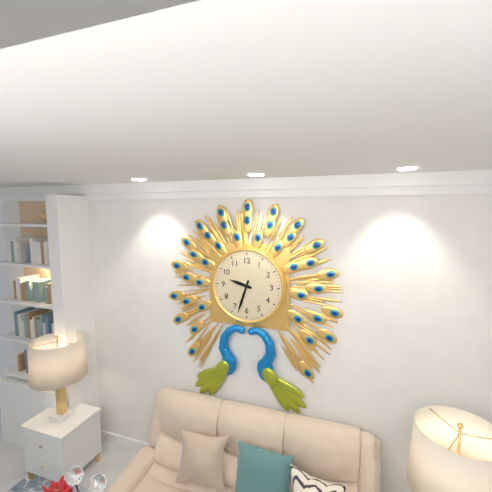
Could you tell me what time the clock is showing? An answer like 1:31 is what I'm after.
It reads 9:33
